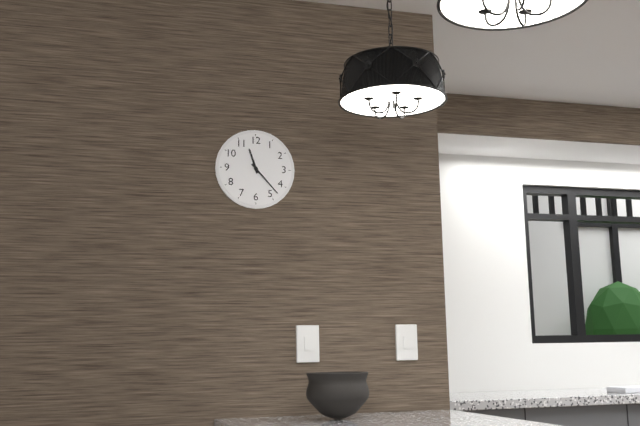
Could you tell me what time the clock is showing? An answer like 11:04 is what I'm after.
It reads 11:23
